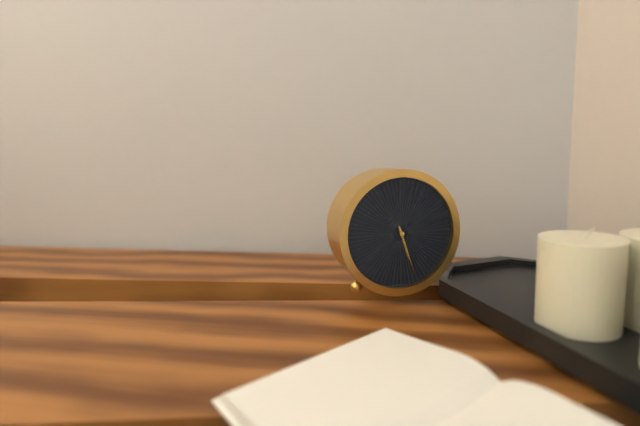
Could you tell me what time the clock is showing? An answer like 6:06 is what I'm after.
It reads 5:27
